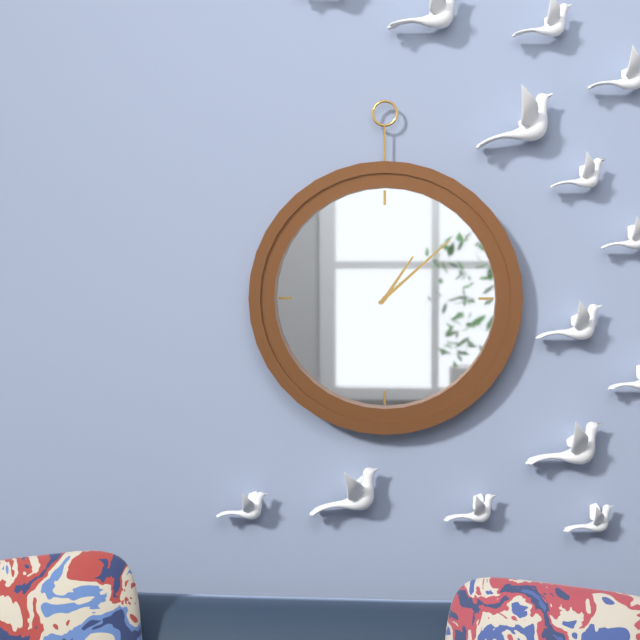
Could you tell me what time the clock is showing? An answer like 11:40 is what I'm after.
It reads 1:08
